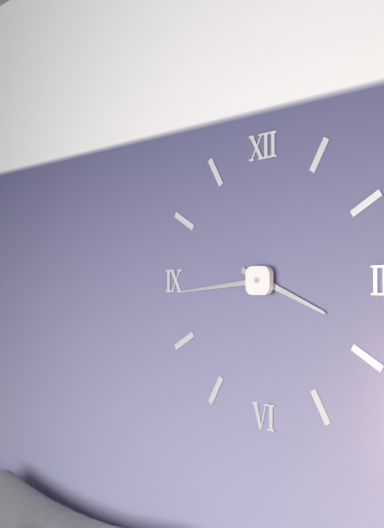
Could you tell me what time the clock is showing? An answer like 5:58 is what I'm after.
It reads 3:44
